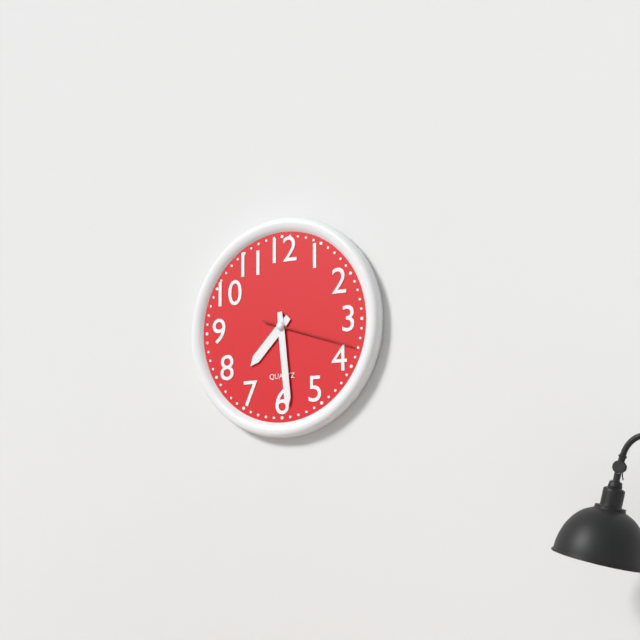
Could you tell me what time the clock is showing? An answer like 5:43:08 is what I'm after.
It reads 7:29:18
